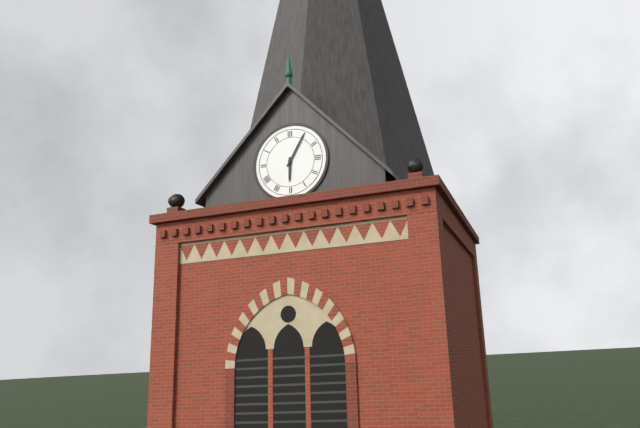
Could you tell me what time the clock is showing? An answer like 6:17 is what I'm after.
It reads 6:05
